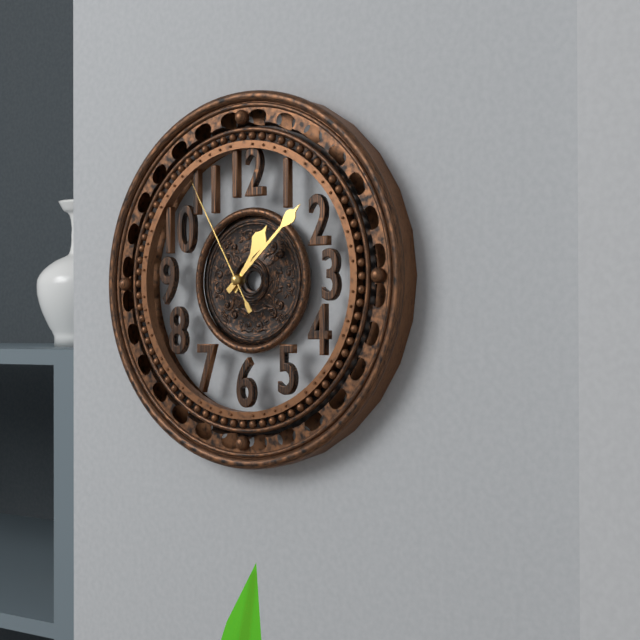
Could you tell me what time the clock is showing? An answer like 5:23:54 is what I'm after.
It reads 1:08:55
